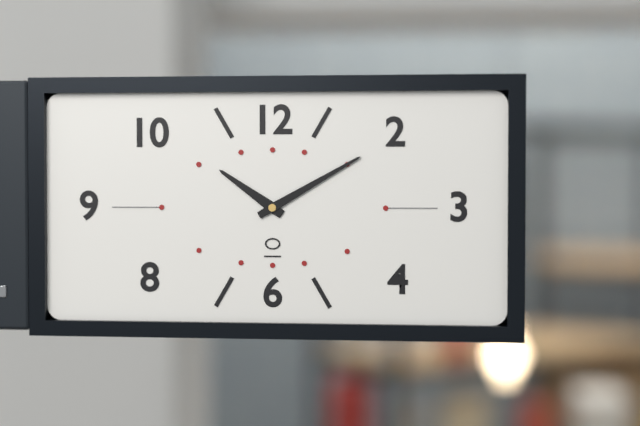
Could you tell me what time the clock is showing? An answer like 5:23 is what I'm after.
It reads 10:10
